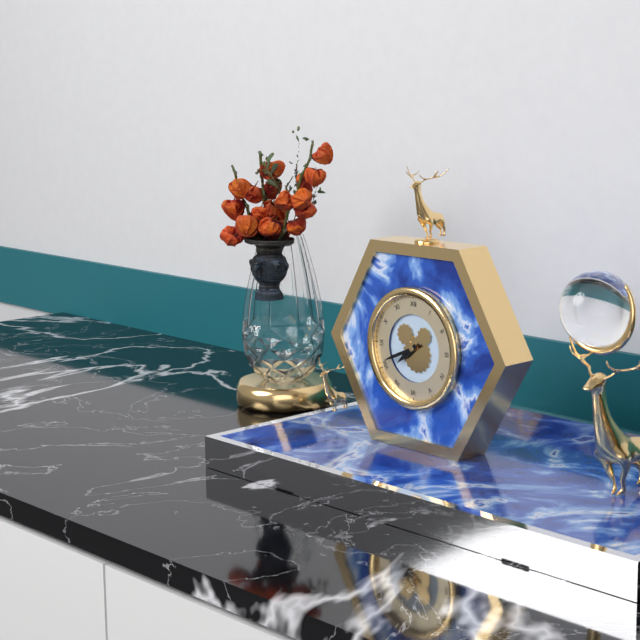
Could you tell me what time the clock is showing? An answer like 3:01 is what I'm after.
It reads 7:41
